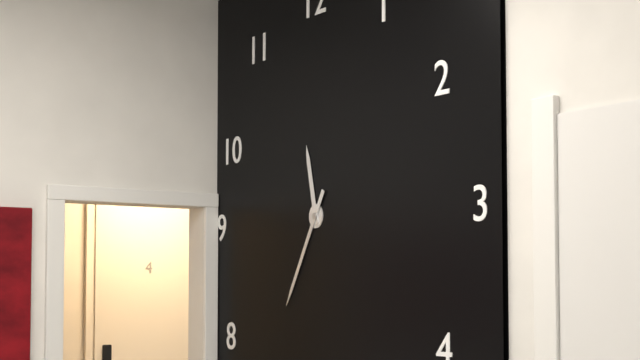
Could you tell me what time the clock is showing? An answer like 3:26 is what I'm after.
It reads 11:35
